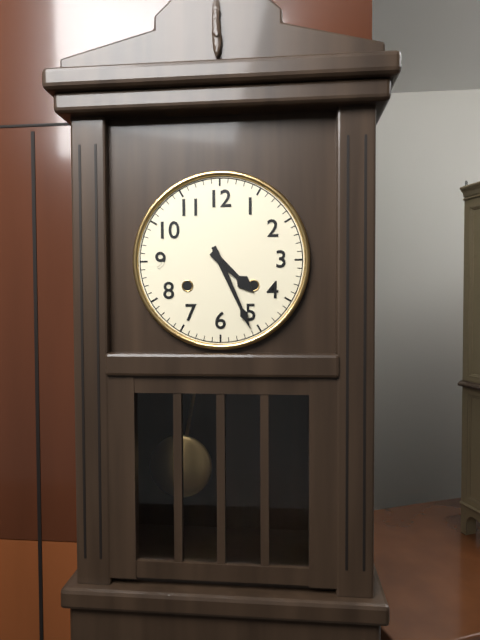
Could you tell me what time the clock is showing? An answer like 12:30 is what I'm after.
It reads 4:26
